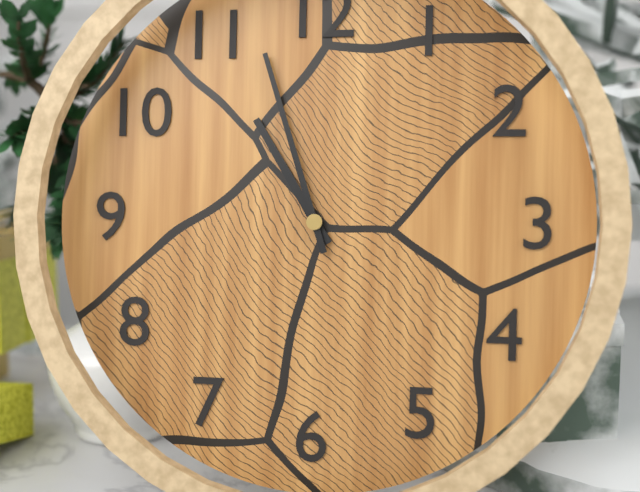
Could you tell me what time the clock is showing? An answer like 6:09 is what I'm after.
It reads 10:57
